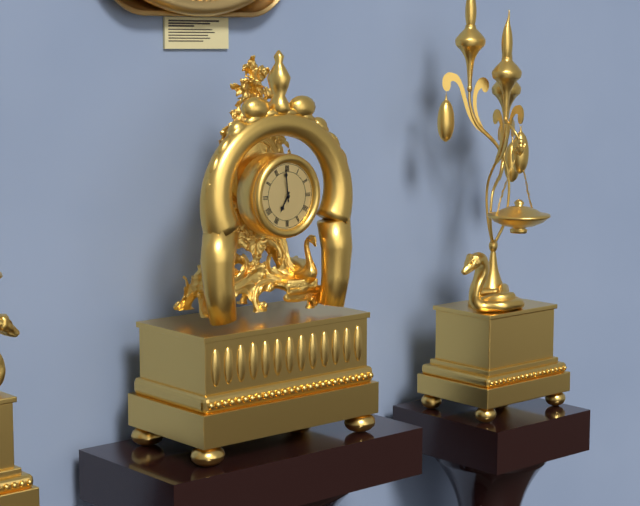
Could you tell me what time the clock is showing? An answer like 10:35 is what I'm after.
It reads 6:59
